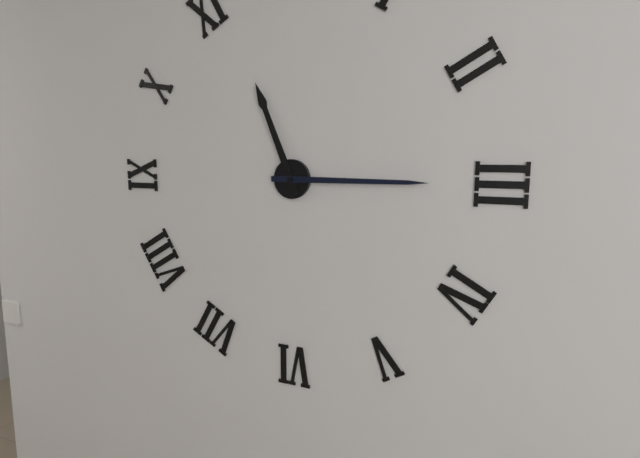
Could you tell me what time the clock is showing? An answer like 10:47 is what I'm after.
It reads 11:15
